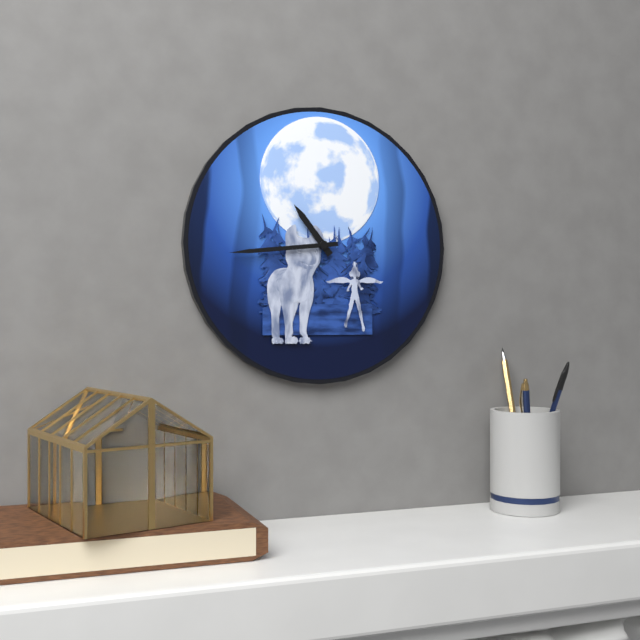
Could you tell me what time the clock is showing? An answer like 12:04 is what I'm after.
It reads 10:44
